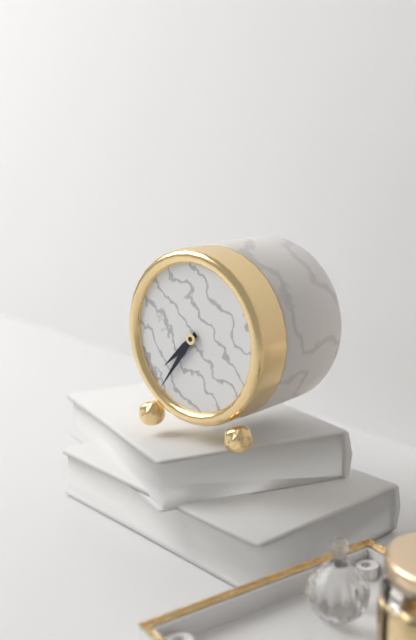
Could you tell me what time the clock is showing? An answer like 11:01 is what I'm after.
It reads 7:36
